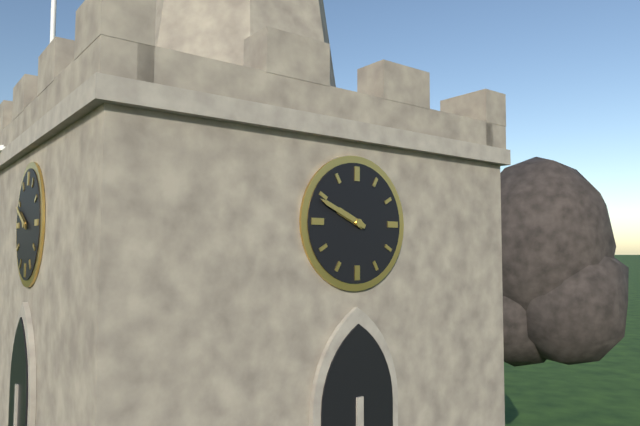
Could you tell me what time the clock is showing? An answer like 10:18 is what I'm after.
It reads 9:49
